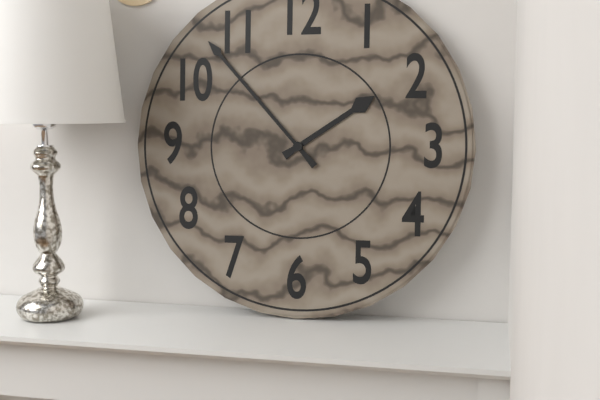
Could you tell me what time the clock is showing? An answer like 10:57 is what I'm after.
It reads 1:53
